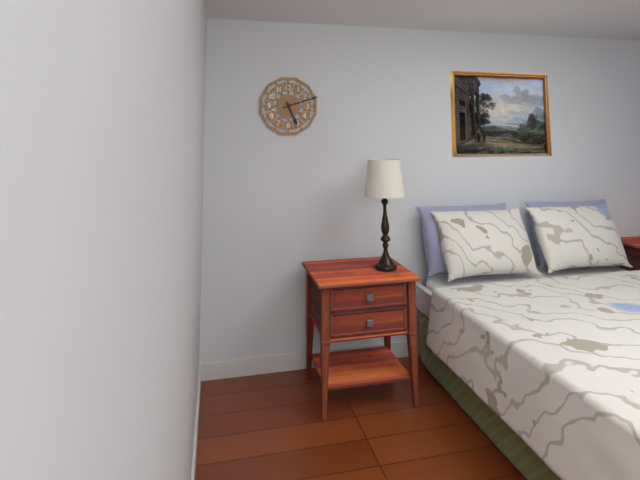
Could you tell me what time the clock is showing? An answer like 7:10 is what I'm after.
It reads 5:12
